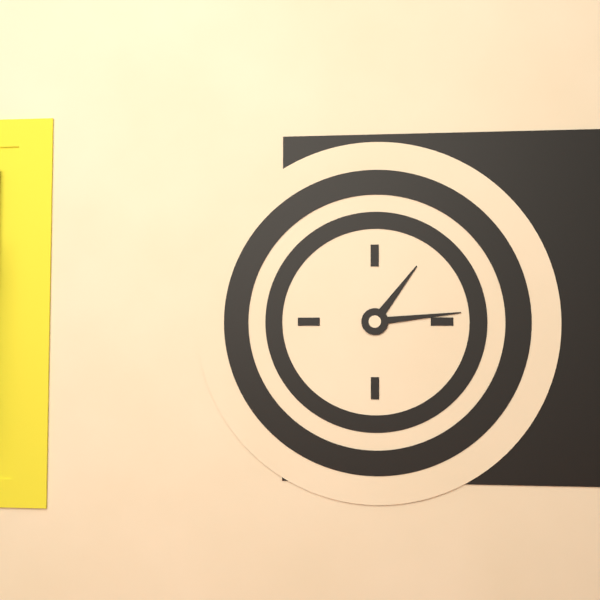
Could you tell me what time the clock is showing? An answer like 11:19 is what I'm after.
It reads 1:14
